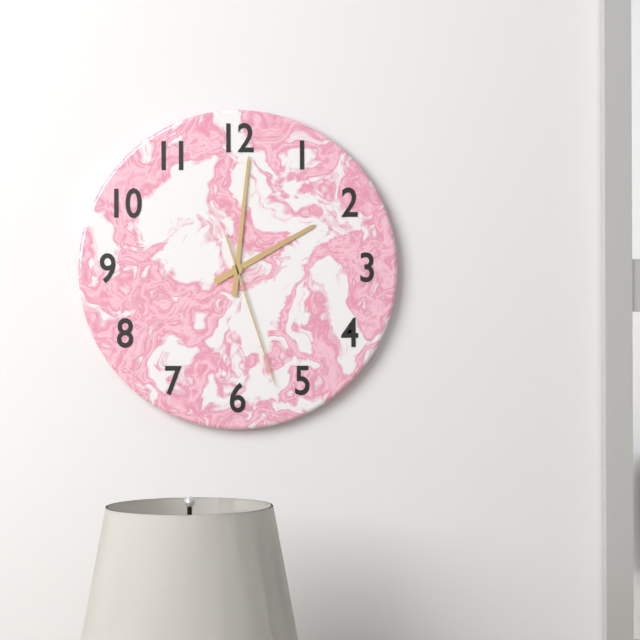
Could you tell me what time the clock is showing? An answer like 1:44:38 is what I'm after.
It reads 2:01:27
